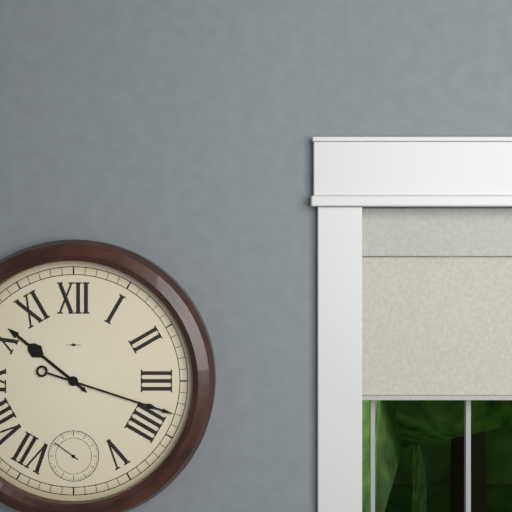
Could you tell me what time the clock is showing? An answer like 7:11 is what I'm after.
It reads 10:18
